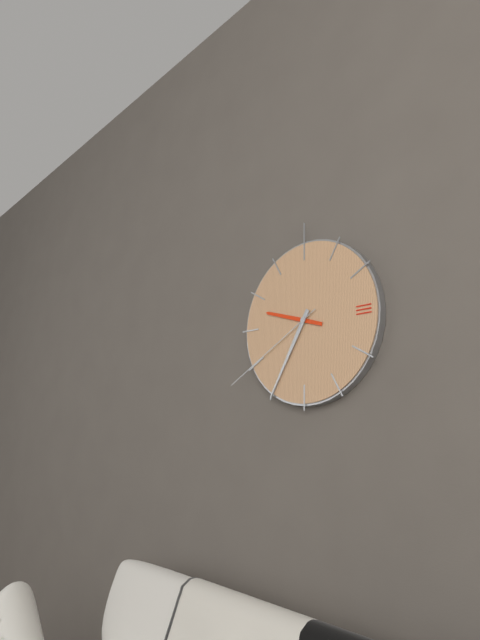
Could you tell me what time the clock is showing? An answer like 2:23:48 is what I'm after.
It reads 9:35:40
